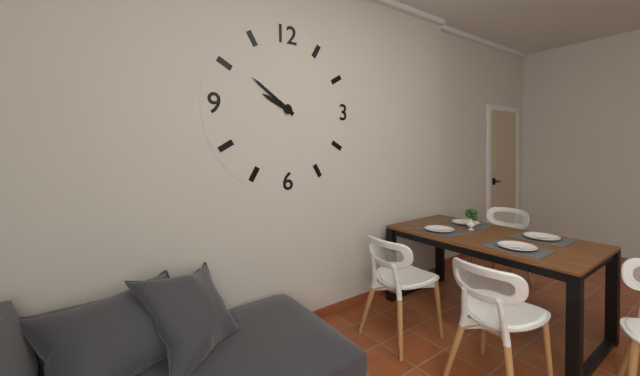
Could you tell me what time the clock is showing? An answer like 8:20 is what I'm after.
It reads 9:51
